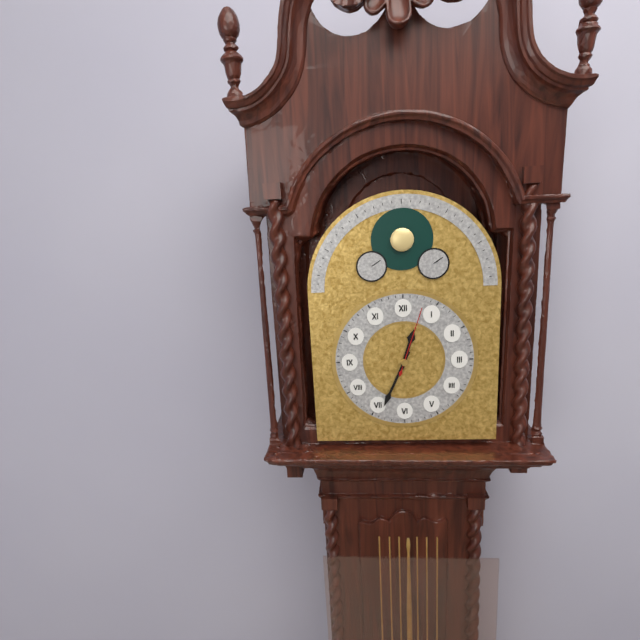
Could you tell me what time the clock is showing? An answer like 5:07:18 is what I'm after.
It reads 12:34:03
